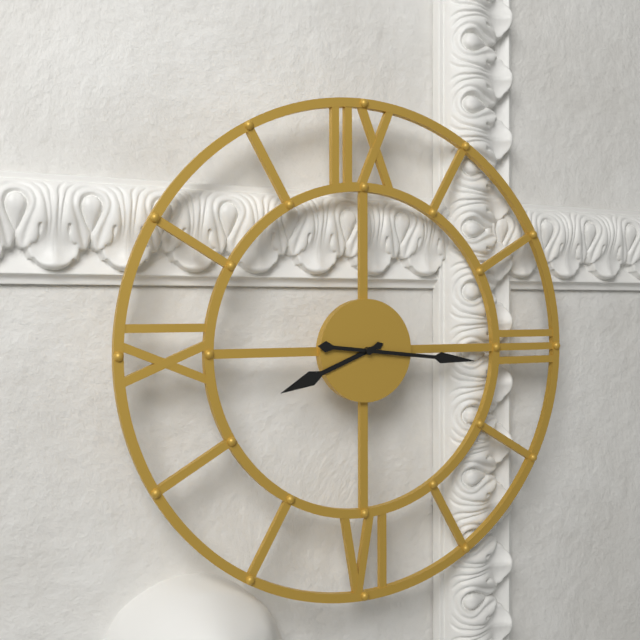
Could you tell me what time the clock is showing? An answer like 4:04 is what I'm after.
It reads 8:16
